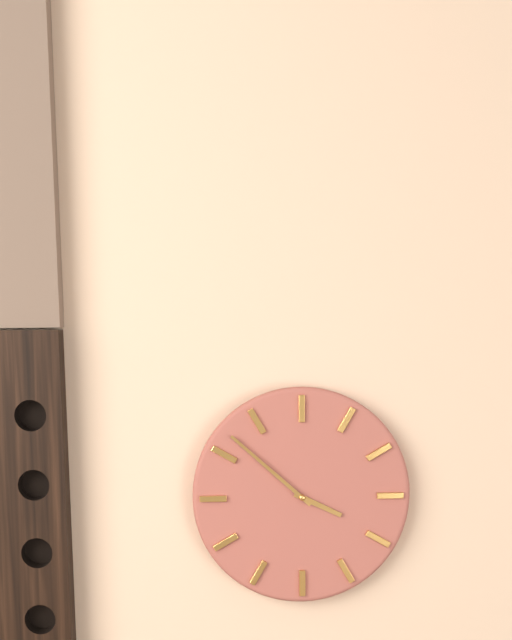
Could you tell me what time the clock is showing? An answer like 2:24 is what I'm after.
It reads 3:52
